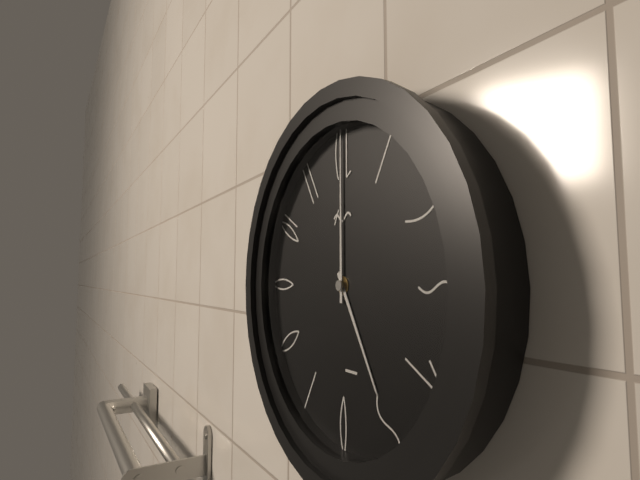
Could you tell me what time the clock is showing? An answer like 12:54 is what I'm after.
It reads 5:00
